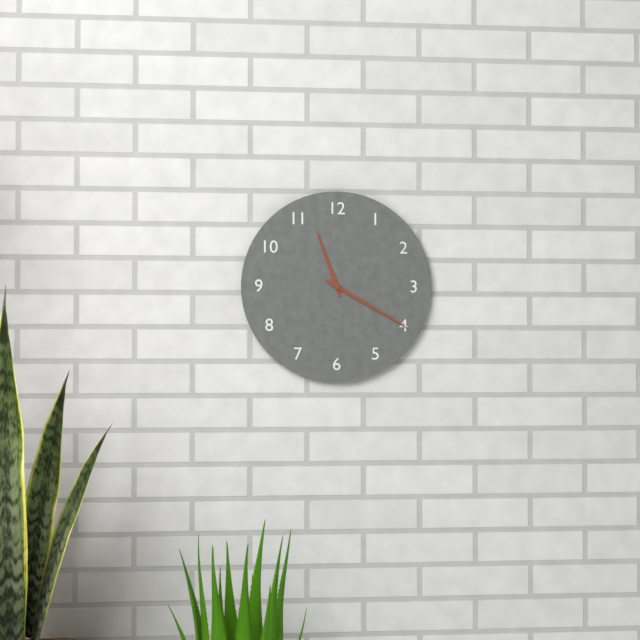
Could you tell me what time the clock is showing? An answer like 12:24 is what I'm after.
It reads 11:20
